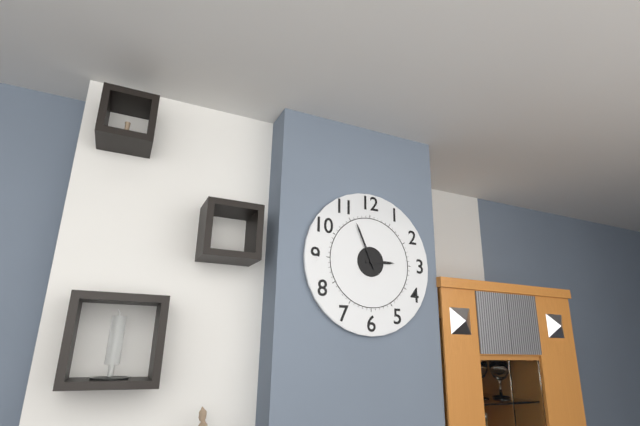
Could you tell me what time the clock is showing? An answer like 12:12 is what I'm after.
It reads 2:56
